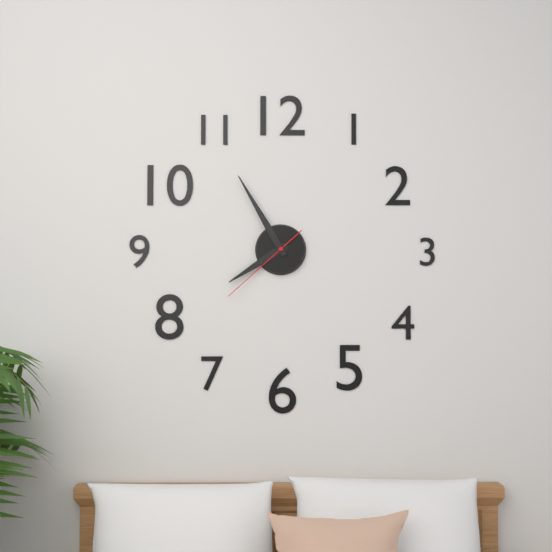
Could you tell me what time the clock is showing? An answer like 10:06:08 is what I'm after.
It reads 7:55:38
